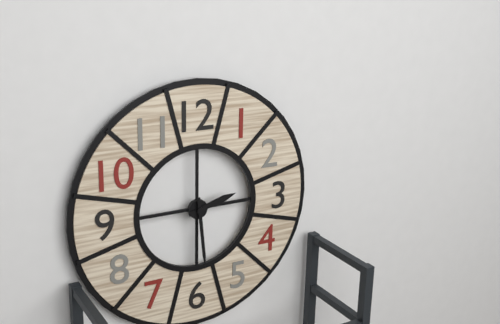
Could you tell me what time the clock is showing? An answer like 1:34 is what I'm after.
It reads 2:29
